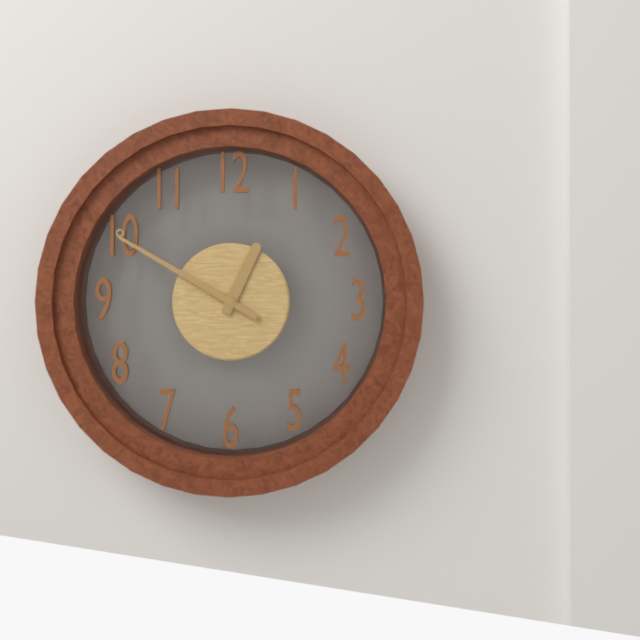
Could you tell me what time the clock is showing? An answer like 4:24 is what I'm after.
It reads 12:50
